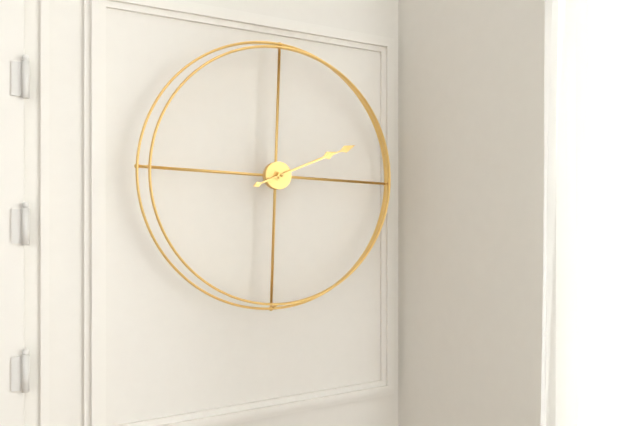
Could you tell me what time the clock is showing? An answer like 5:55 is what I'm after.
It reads 2:11
